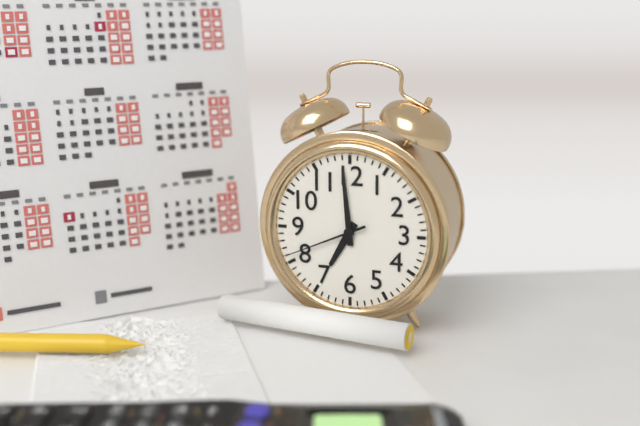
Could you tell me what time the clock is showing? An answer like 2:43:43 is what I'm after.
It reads 6:59:41
